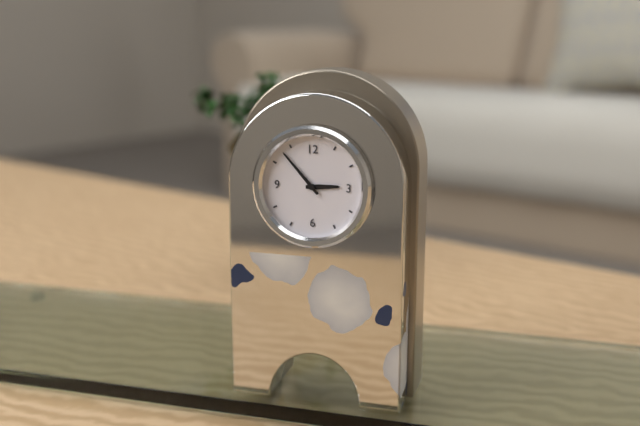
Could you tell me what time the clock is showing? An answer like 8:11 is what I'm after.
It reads 2:53
